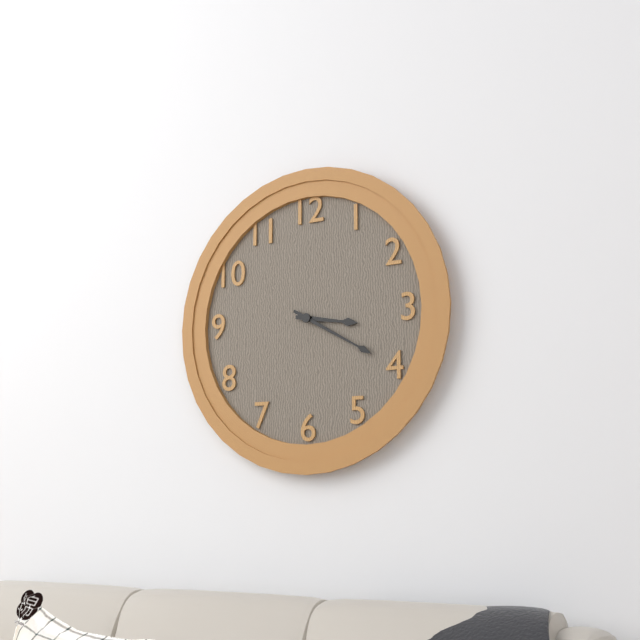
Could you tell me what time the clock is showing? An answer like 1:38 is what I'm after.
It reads 3:20
